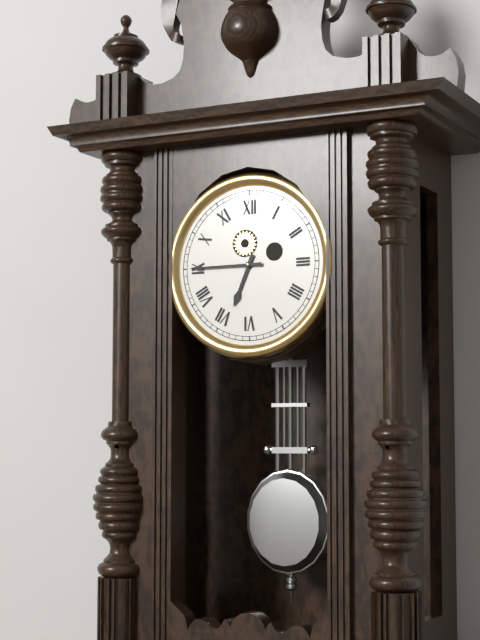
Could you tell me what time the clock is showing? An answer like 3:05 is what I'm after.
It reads 6:45
